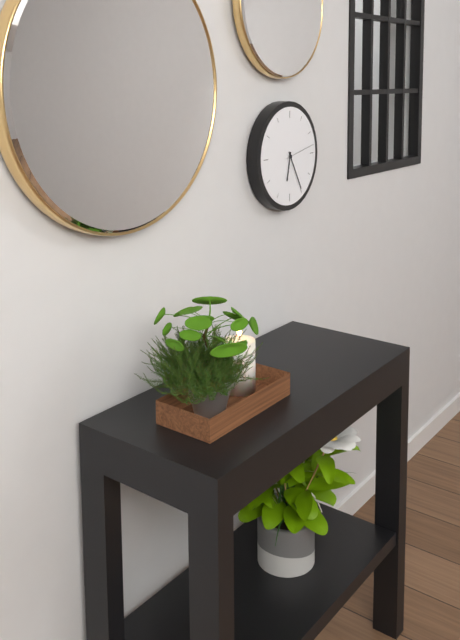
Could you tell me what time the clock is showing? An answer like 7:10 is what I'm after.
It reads 6:25
